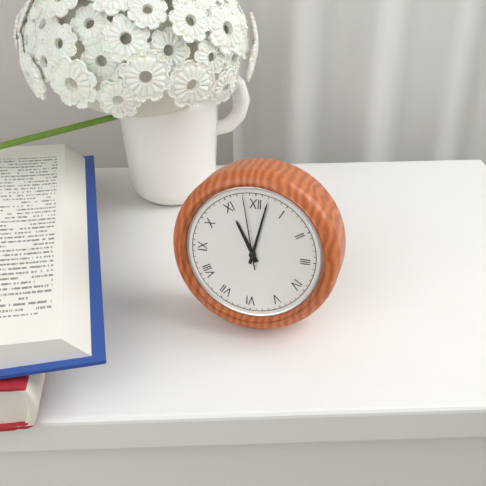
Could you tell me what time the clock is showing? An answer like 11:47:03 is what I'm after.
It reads 11:02:58
